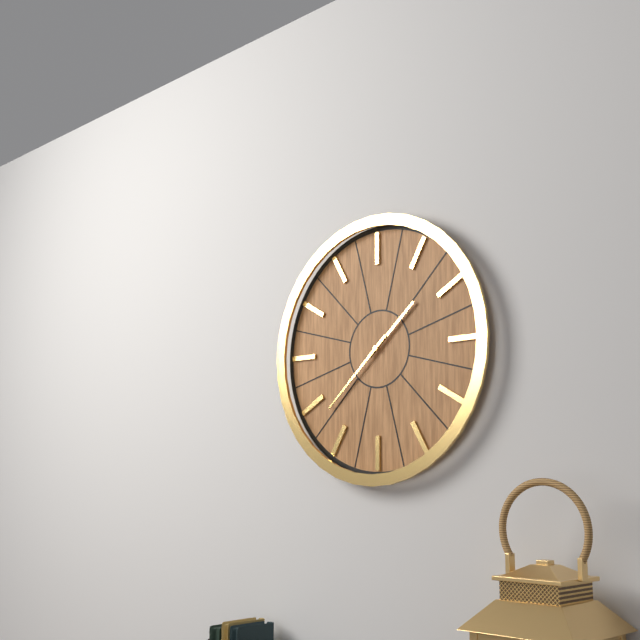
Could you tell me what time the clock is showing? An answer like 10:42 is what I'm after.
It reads 1:38
